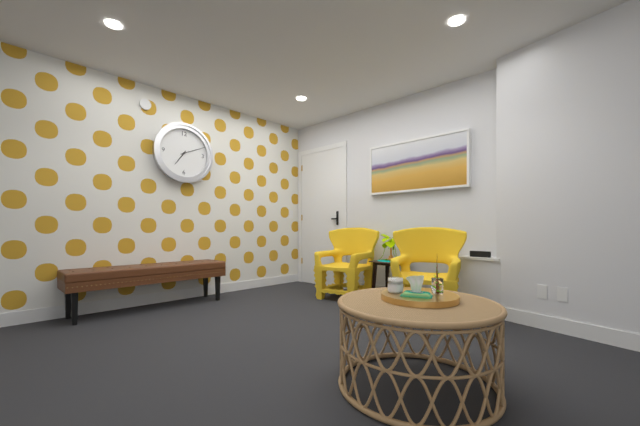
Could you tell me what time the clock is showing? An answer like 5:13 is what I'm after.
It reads 7:11
